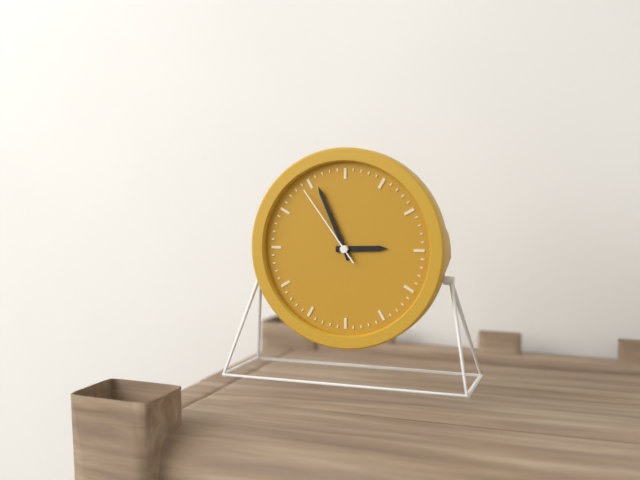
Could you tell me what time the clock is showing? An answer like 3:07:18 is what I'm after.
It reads 2:56:54
